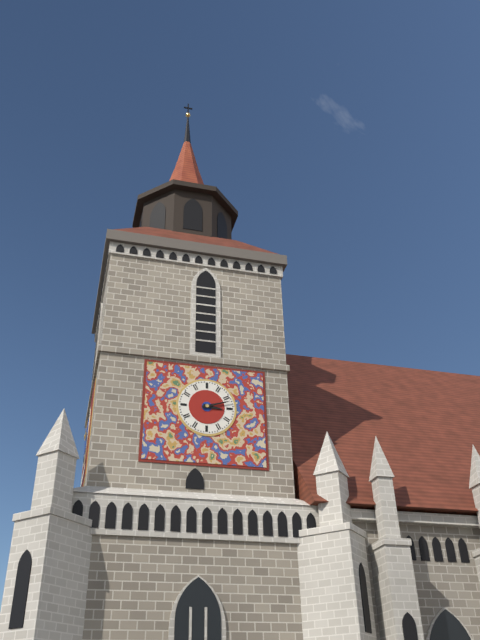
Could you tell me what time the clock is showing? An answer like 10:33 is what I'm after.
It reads 3:12
